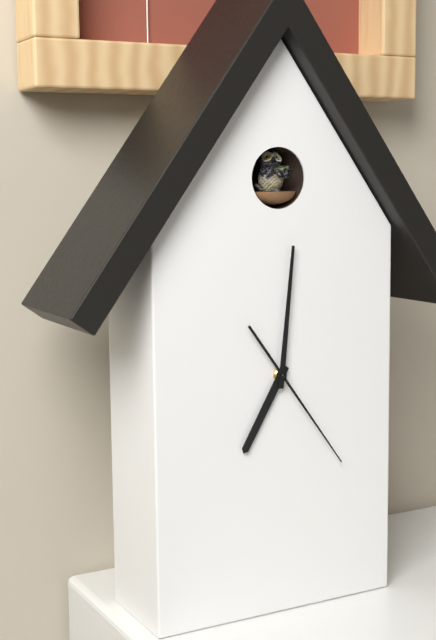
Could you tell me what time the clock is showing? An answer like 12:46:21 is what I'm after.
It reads 7:01:24
